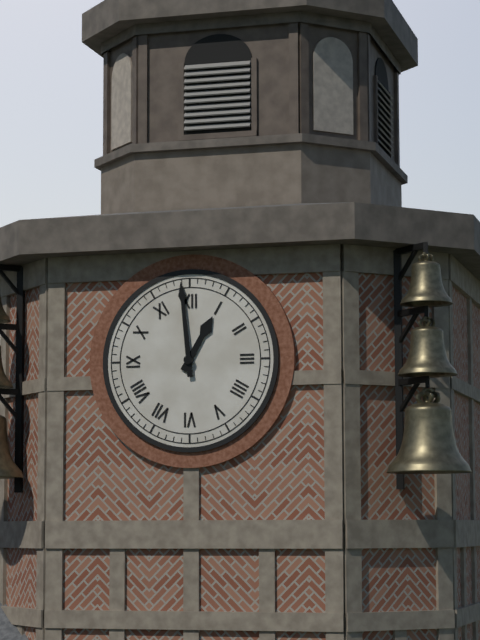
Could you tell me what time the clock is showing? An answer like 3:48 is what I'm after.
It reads 12:59
